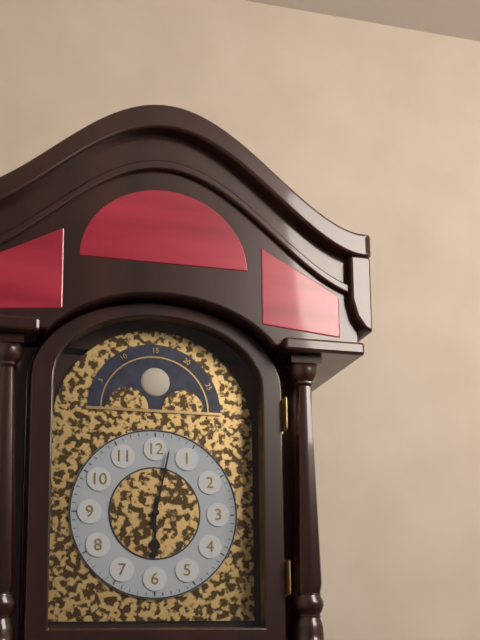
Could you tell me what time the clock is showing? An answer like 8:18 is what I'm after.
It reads 6:02
